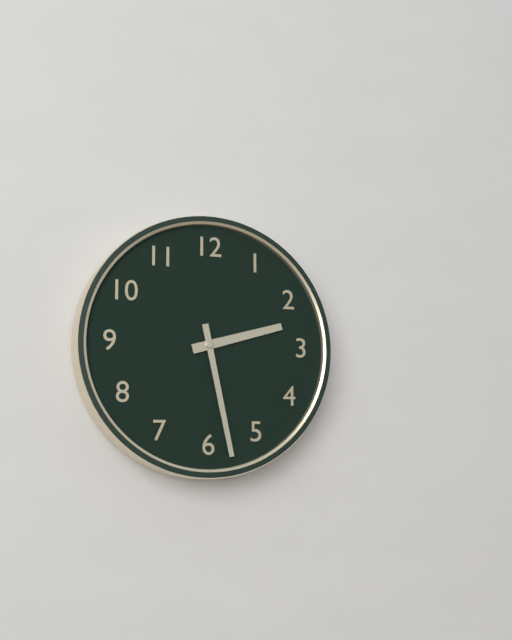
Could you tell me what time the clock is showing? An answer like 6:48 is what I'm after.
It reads 2:28
